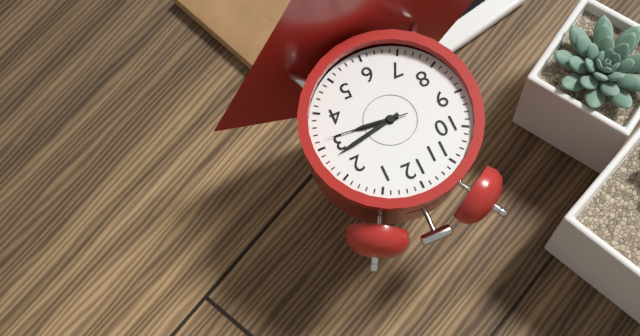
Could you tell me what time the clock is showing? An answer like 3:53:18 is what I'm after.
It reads 3:13:16
